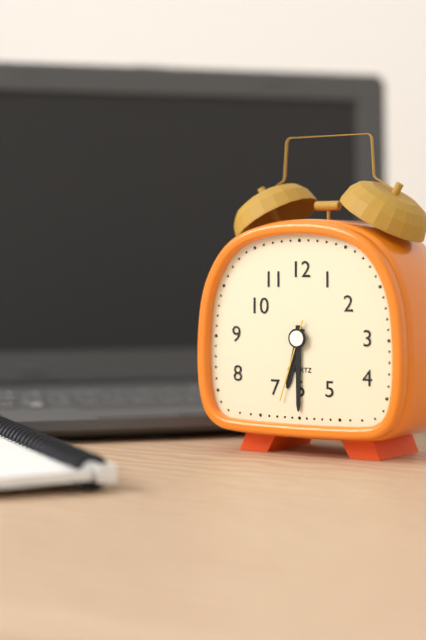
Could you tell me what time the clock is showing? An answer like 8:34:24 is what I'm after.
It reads 6:30:33
